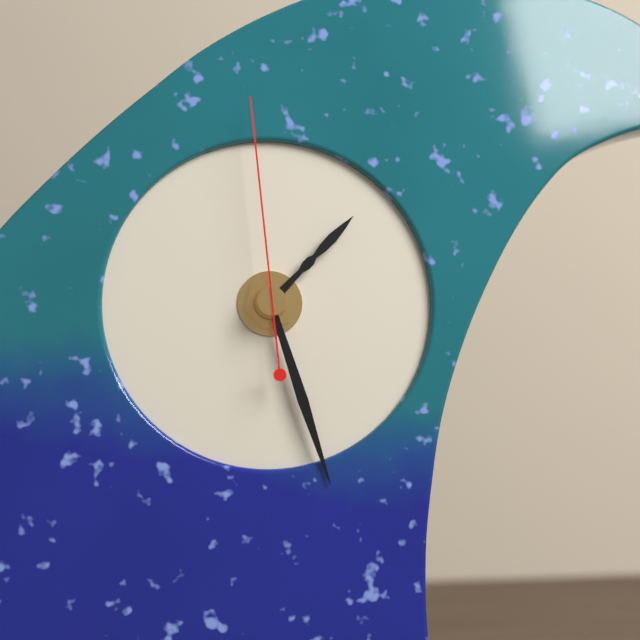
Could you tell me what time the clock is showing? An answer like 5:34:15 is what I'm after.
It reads 1:27:59
